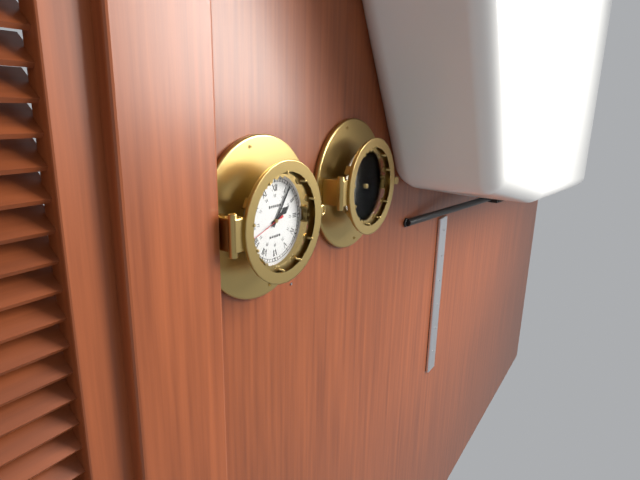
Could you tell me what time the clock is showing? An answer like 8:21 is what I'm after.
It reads 2:06
